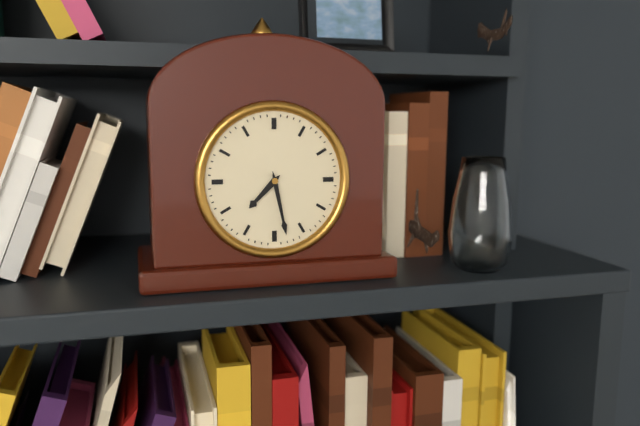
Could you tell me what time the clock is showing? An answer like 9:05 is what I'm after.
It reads 7:28
